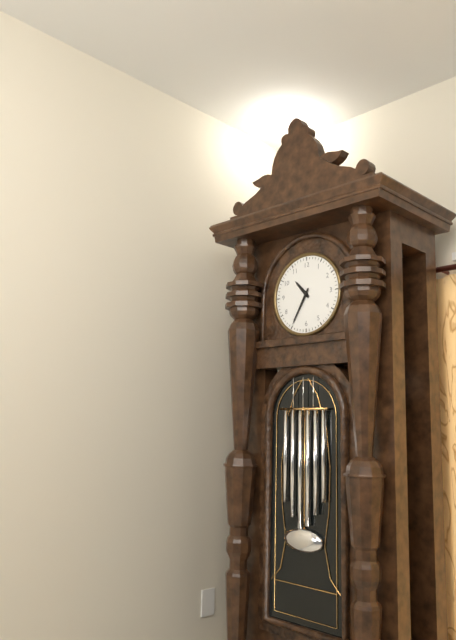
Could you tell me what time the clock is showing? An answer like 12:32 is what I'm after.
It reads 10:35
